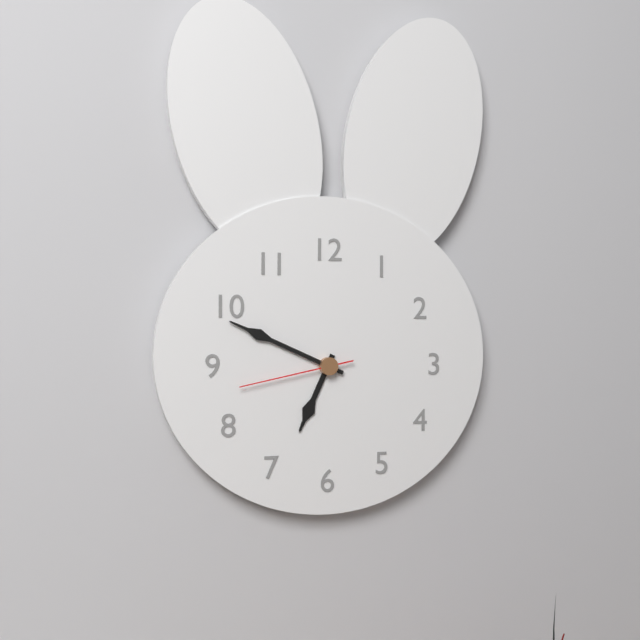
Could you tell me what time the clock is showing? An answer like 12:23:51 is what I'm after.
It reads 6:49:43
